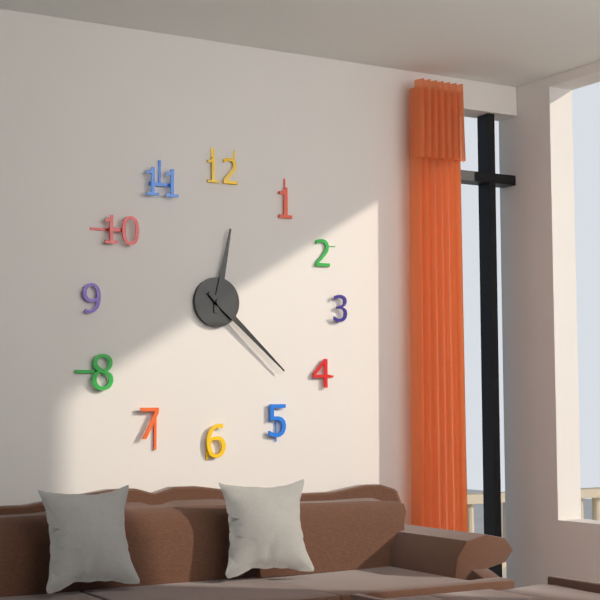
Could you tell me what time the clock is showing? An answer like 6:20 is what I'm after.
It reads 12:22
